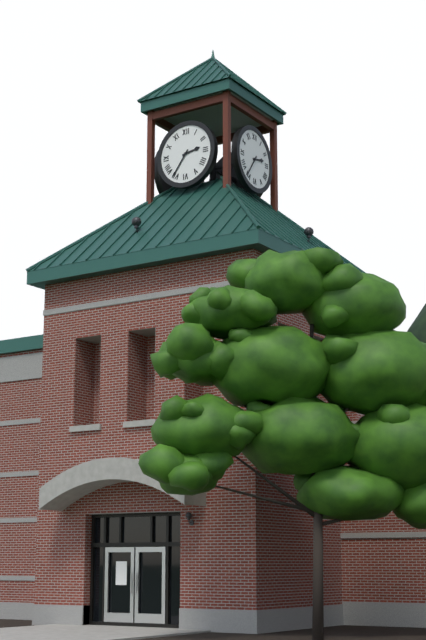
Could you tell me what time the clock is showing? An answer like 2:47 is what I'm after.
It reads 2:36
